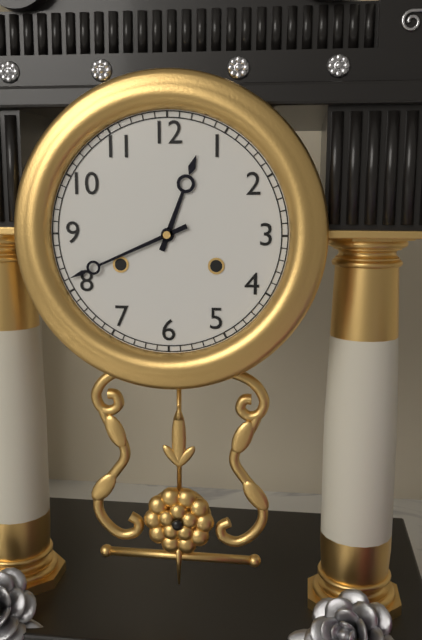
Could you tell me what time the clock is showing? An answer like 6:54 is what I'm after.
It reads 12:41
